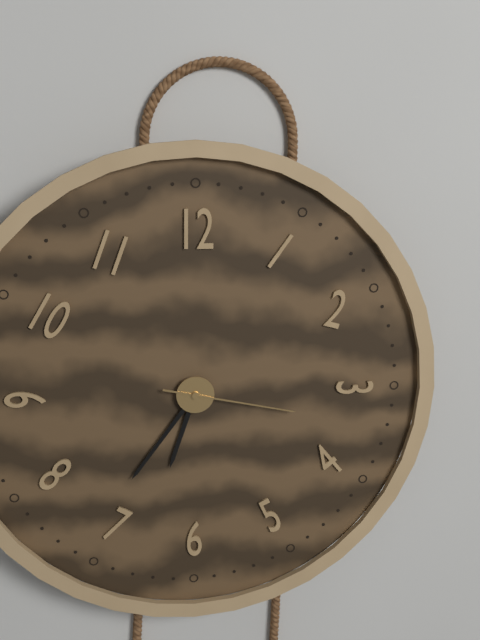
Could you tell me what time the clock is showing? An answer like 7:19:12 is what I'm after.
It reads 6:36:17
